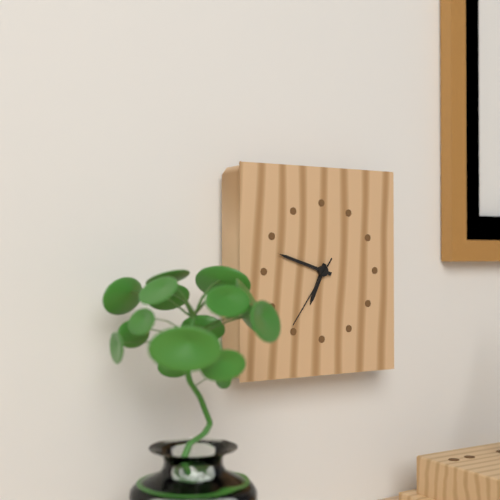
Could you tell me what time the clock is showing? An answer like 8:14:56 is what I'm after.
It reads 6:48:36
